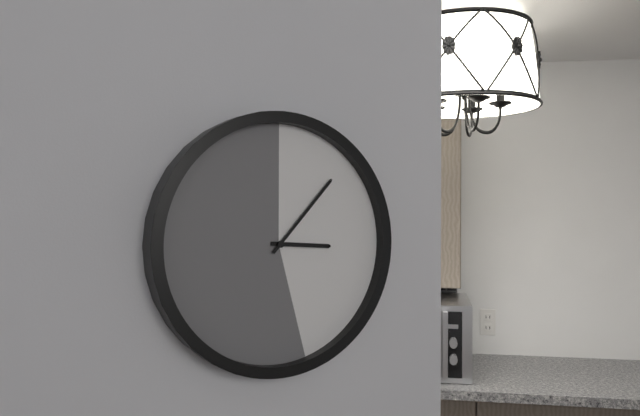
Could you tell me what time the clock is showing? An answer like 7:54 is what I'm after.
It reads 3:07
